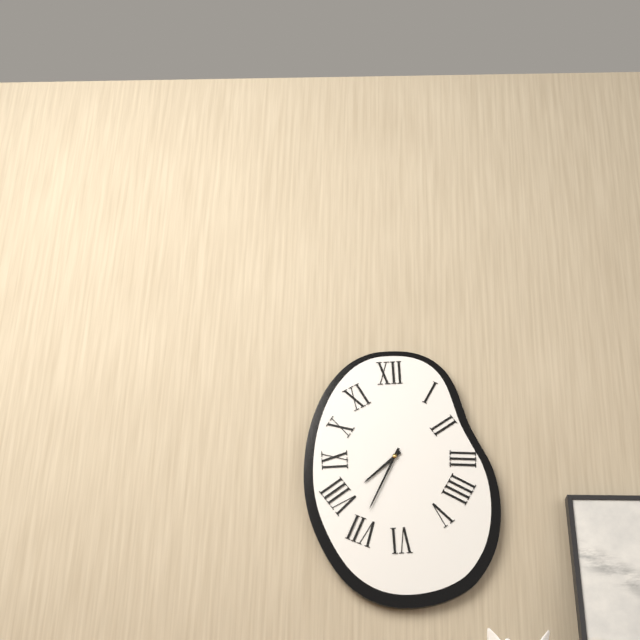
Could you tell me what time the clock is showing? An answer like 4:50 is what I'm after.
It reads 7:34
